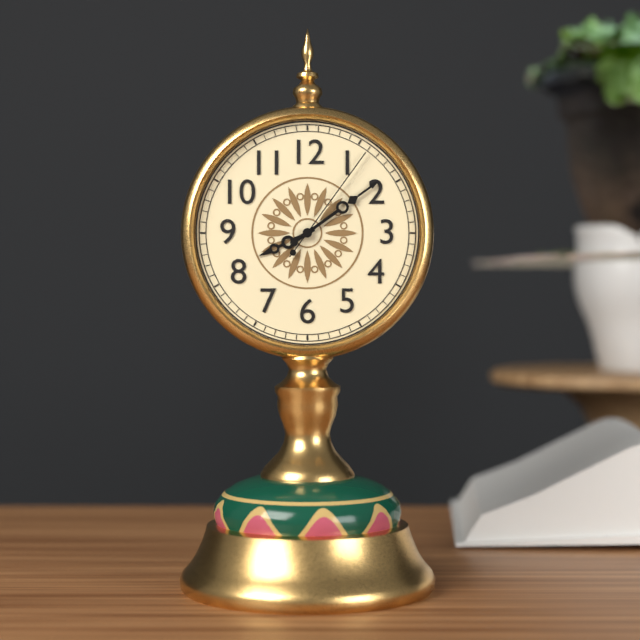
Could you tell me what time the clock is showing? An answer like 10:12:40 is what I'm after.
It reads 8:09:06
